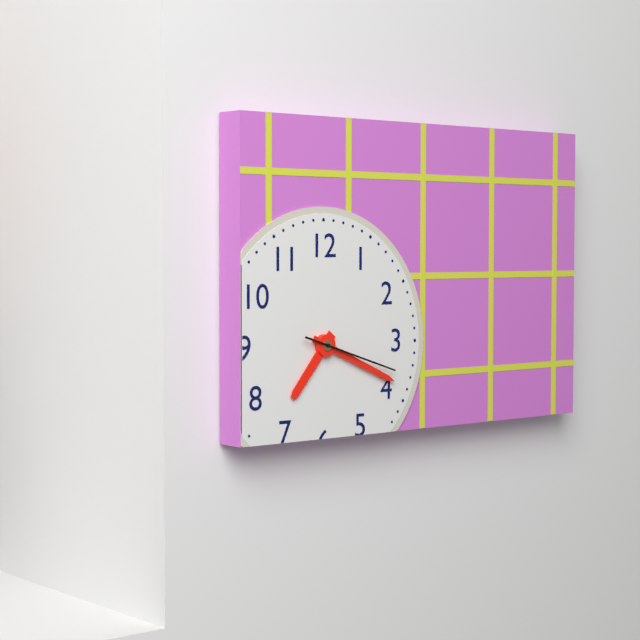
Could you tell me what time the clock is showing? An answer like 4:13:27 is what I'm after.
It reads 7:19:18
